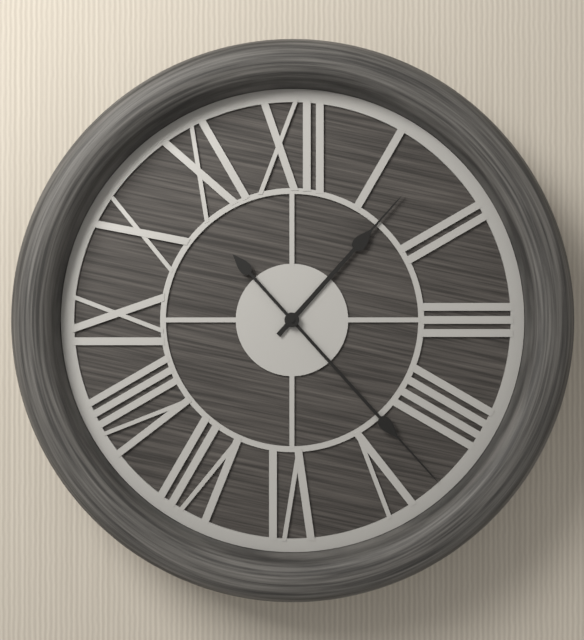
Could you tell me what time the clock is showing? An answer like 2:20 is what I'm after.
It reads 1:23
